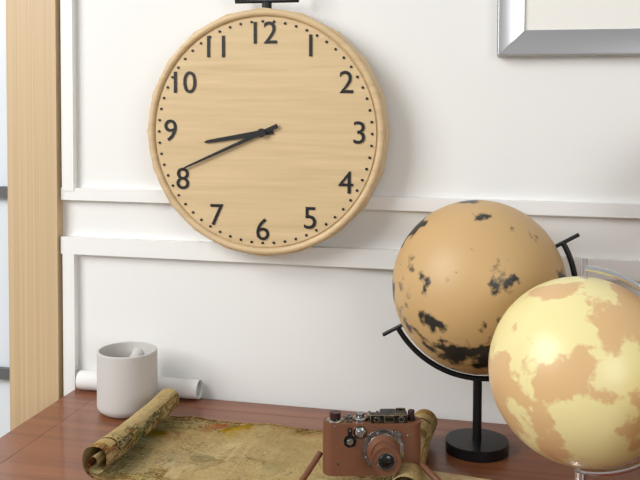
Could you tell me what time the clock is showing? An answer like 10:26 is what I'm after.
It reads 8:41
